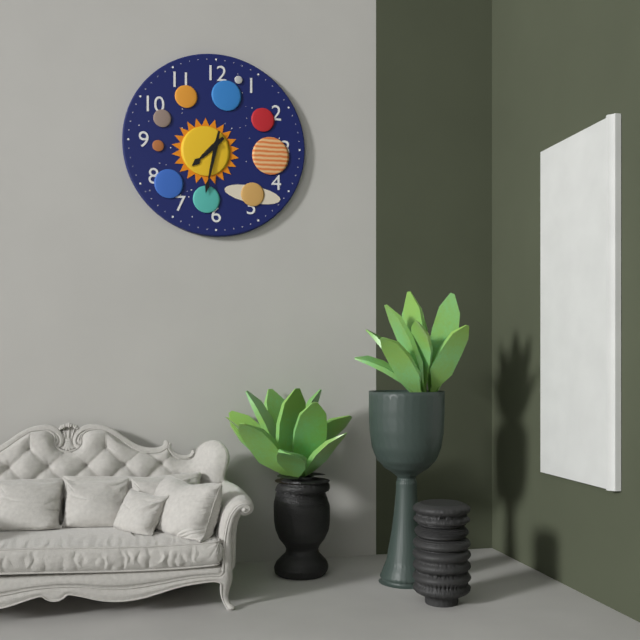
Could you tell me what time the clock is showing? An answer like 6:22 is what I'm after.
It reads 7:32
